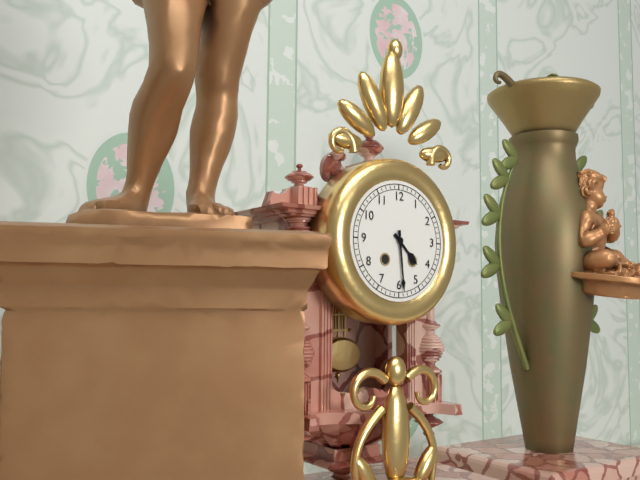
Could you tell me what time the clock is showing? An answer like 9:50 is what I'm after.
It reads 4:29
